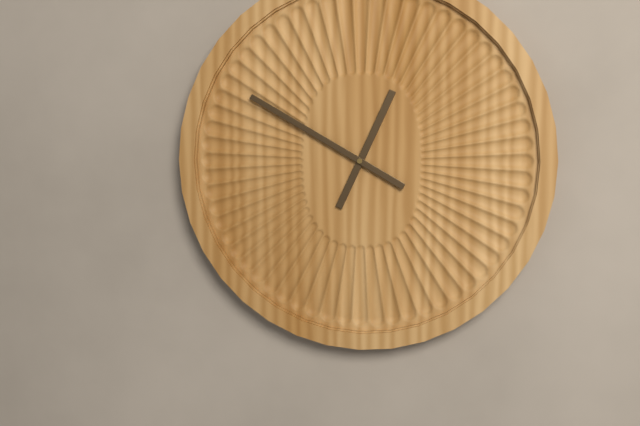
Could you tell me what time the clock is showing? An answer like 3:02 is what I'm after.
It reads 12:50
